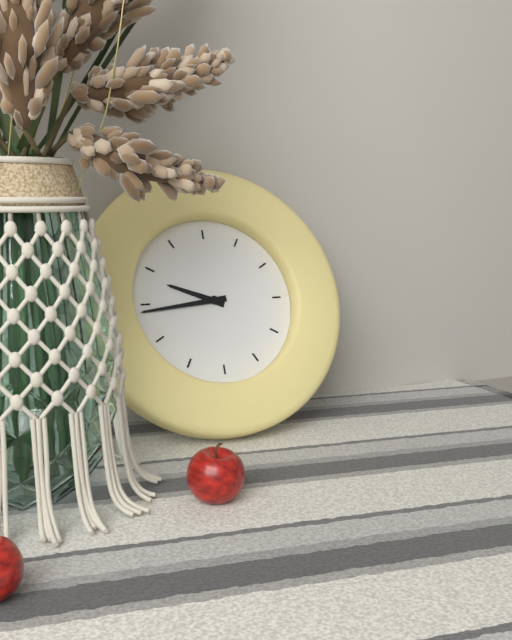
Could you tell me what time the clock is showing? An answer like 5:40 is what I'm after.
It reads 9:44
